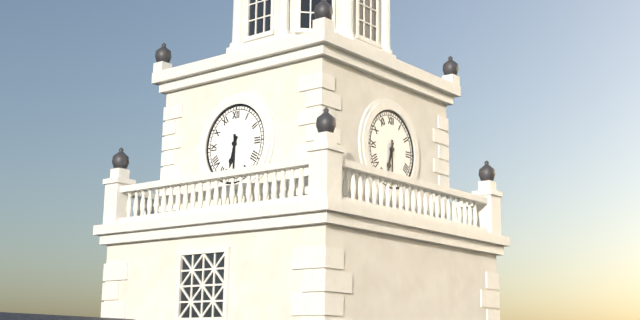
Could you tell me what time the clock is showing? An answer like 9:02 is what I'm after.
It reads 6:30
